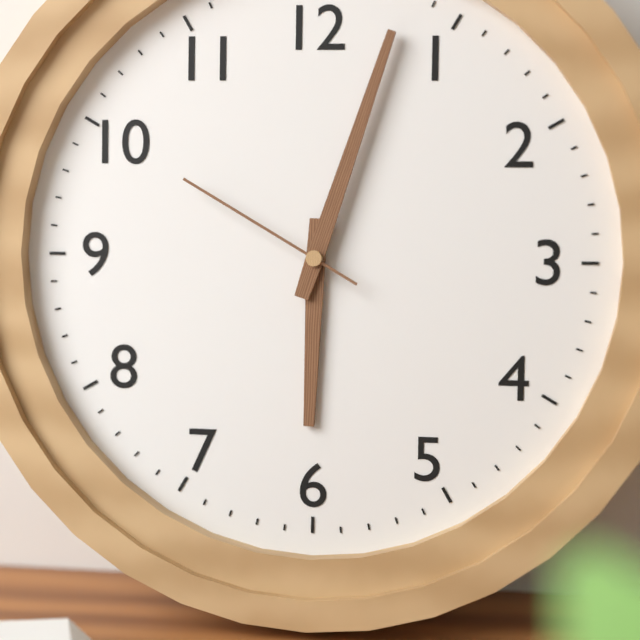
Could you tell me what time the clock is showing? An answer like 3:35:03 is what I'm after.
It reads 6:03:50
